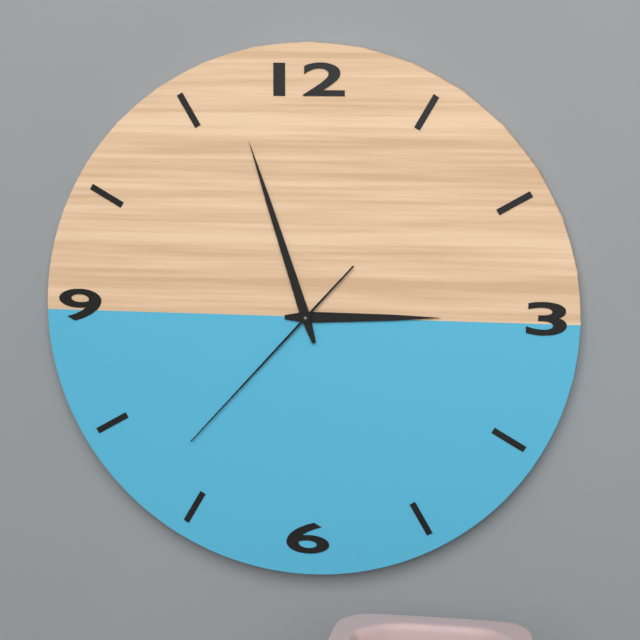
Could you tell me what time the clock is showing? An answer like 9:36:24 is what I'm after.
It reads 2:57:37
